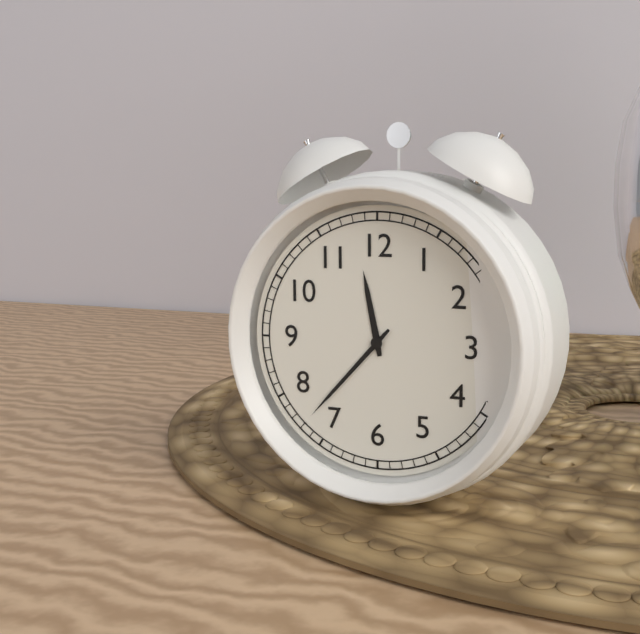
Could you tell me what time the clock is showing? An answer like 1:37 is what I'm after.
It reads 11:37
